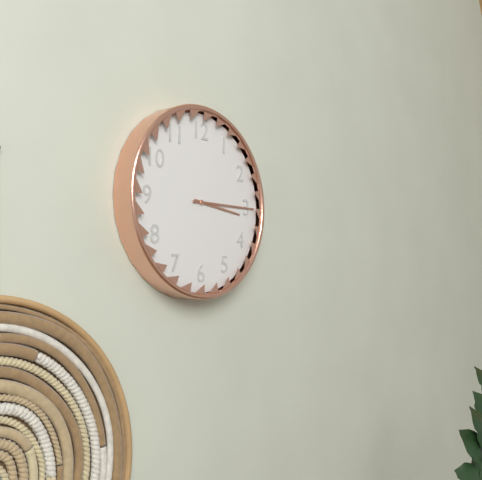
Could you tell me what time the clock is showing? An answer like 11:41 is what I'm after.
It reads 3:15
